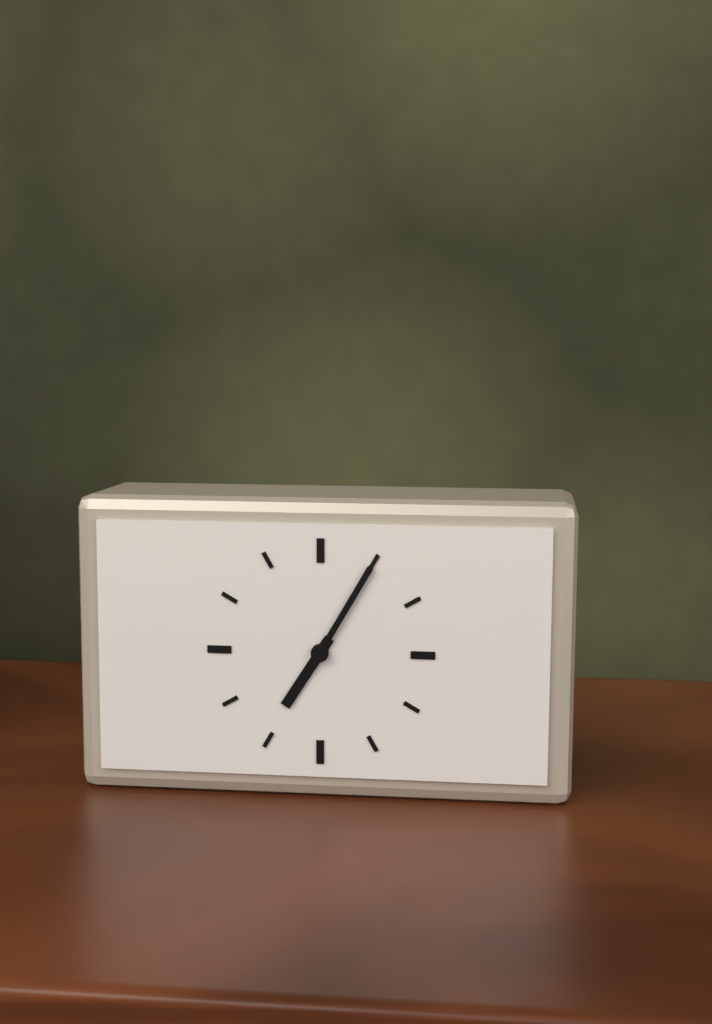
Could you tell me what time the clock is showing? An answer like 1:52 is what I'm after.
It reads 7:05
